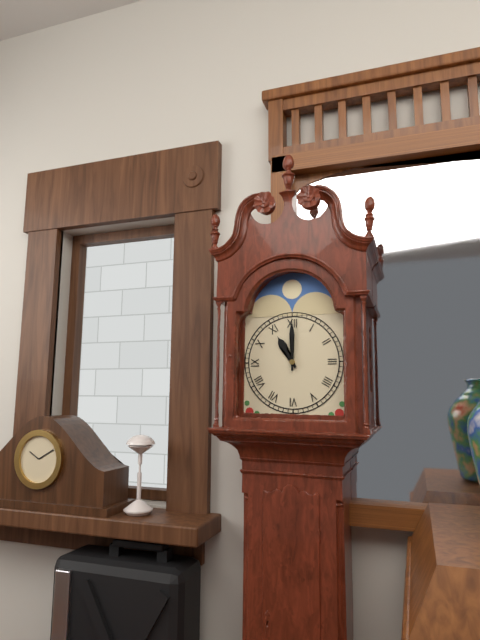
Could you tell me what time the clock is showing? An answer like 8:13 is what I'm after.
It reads 11:00
